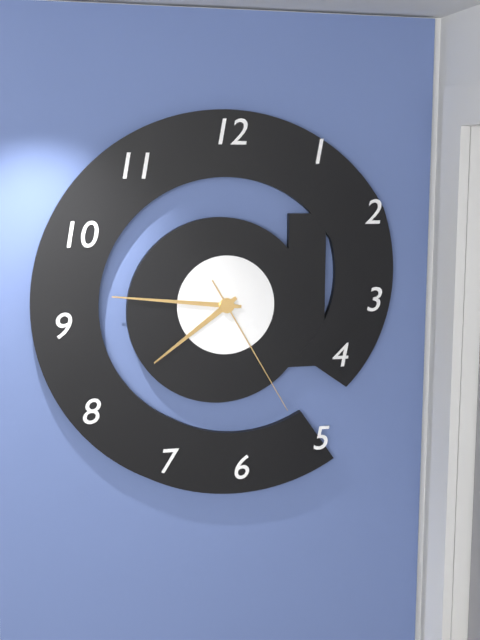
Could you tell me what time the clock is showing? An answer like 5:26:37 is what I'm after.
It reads 7:46:25
